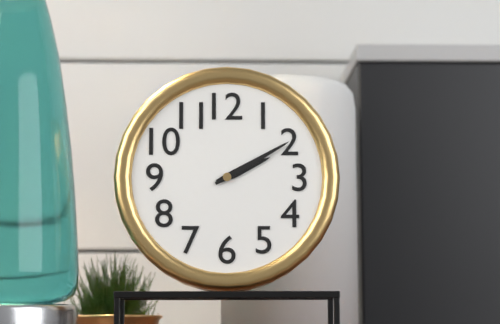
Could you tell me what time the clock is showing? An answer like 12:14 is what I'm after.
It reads 2:10
